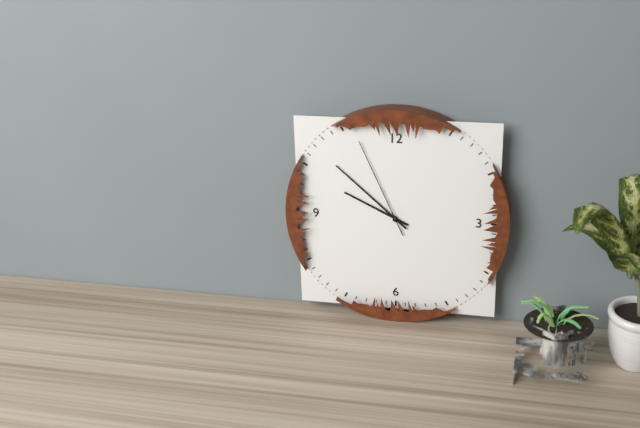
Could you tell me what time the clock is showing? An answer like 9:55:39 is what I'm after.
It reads 9:52:56
